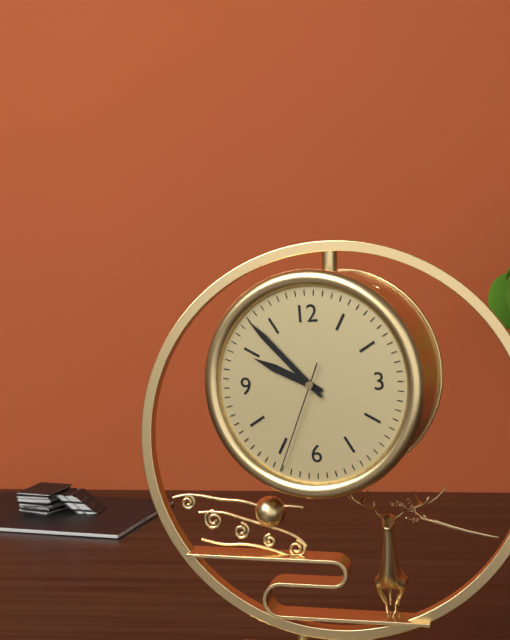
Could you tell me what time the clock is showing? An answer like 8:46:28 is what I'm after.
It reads 9:53:34
